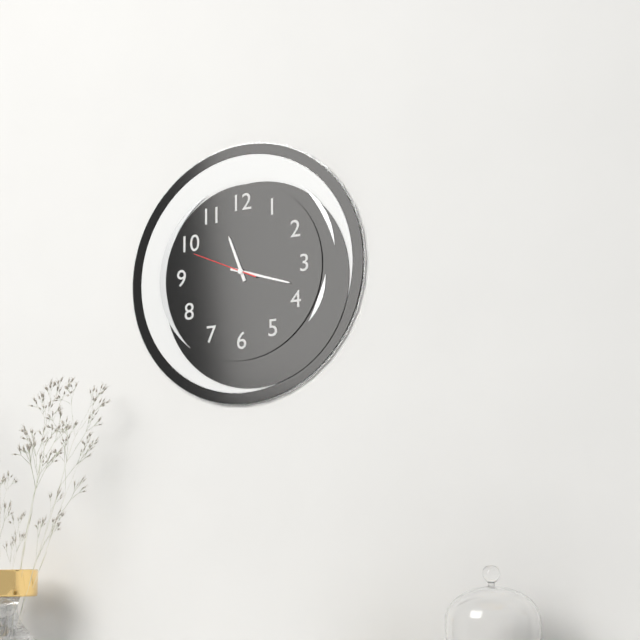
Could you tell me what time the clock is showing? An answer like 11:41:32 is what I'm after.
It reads 11:18:49
